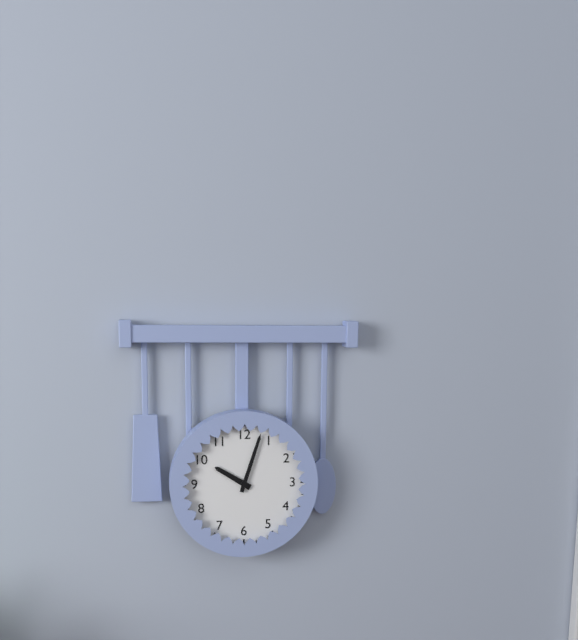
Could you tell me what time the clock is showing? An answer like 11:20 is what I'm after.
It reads 10:03
